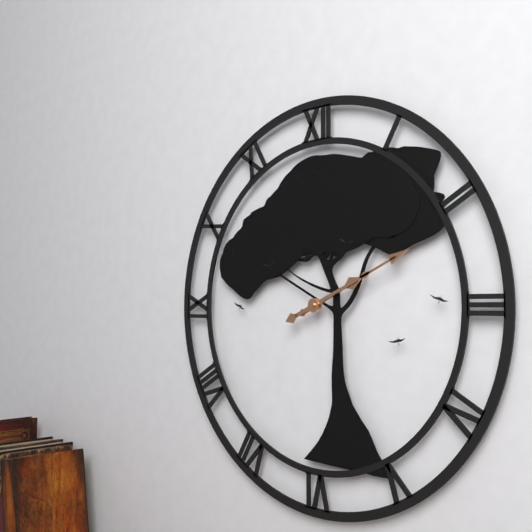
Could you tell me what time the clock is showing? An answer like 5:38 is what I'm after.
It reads 2:11
